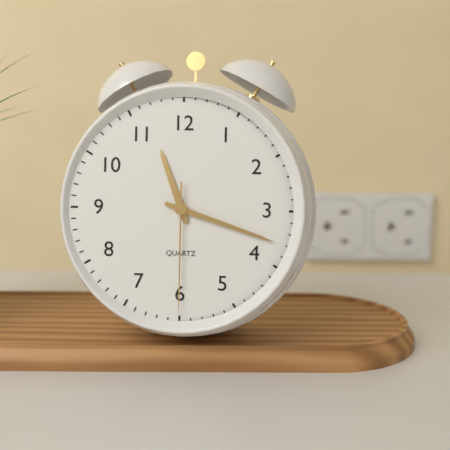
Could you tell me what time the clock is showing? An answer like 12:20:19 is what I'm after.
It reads 11:18:30
